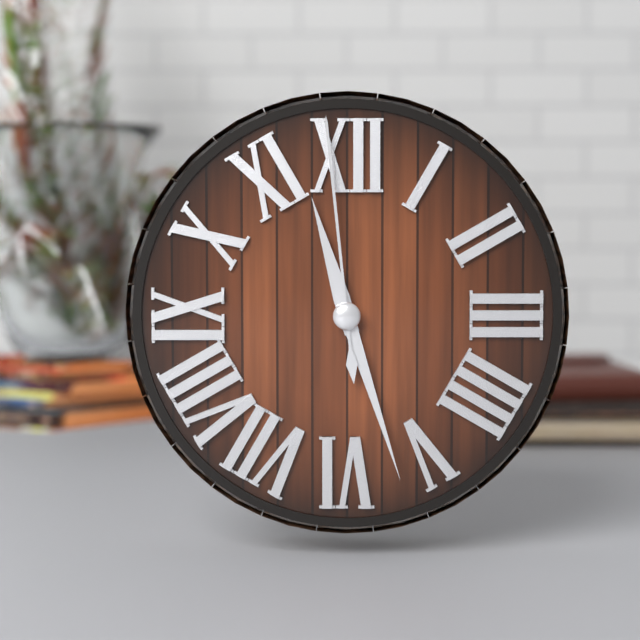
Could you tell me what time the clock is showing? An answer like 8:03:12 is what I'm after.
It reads 11:27:59
